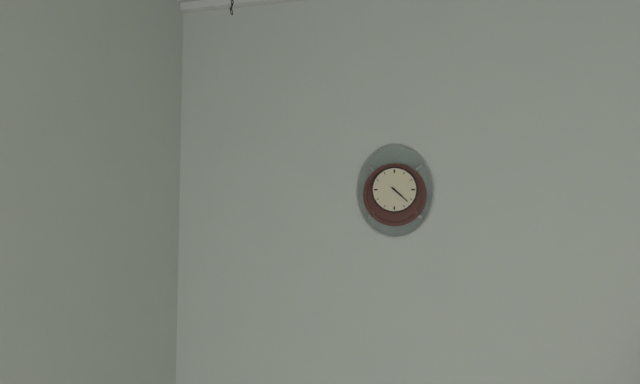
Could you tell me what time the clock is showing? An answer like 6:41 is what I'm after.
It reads 4:22
